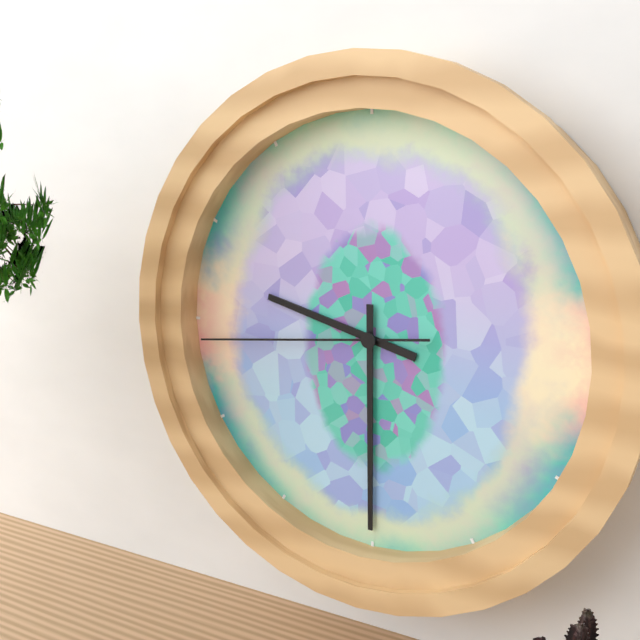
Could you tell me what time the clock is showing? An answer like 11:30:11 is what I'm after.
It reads 9:30:44
